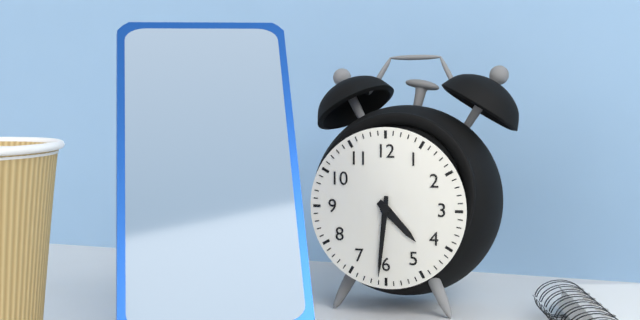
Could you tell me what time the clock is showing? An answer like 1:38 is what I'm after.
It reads 4:31
